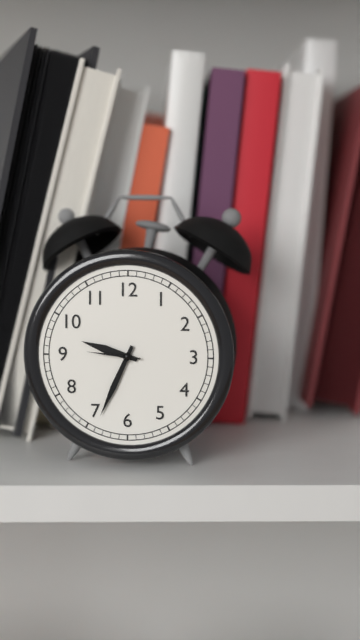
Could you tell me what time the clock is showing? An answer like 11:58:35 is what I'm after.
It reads 9:34:46
